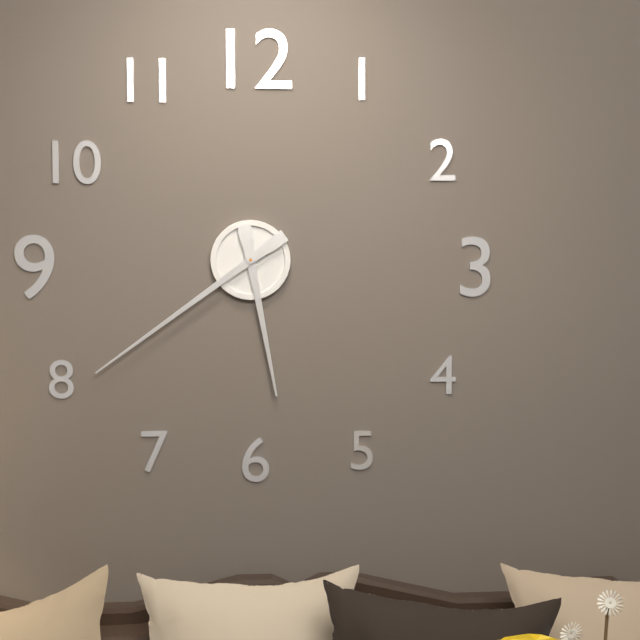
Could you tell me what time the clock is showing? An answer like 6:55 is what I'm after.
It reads 5:39
